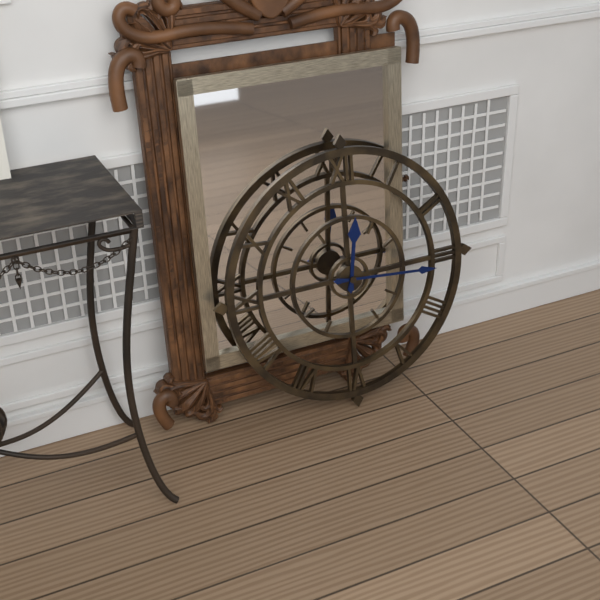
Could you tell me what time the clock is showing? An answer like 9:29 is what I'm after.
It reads 12:16
